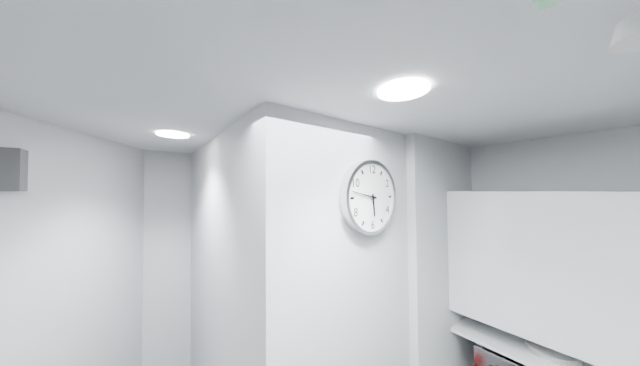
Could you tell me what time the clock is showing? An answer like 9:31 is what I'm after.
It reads 5:47
